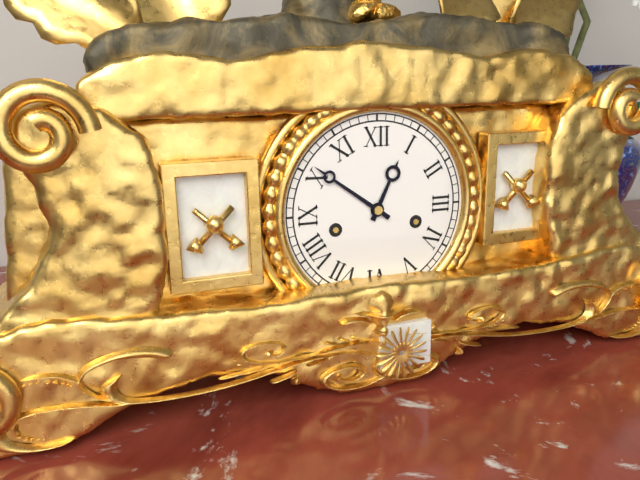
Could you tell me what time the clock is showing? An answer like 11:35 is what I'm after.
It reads 12:51
